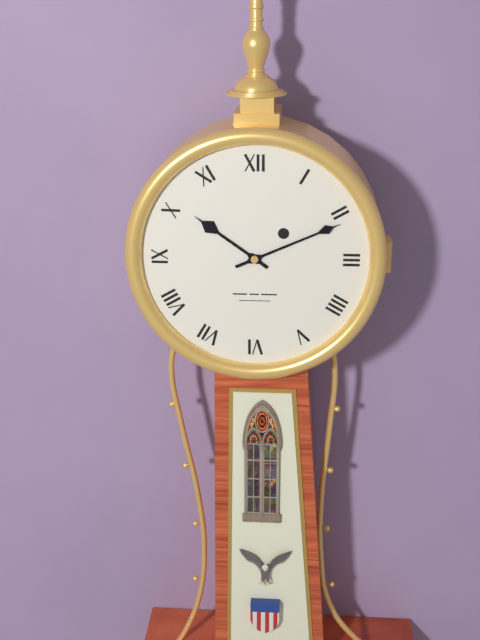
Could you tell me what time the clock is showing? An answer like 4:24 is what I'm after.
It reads 10:11
